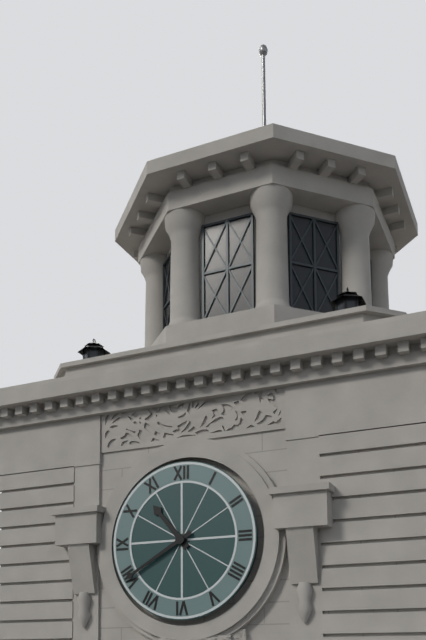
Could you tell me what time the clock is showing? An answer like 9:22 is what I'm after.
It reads 10:40
